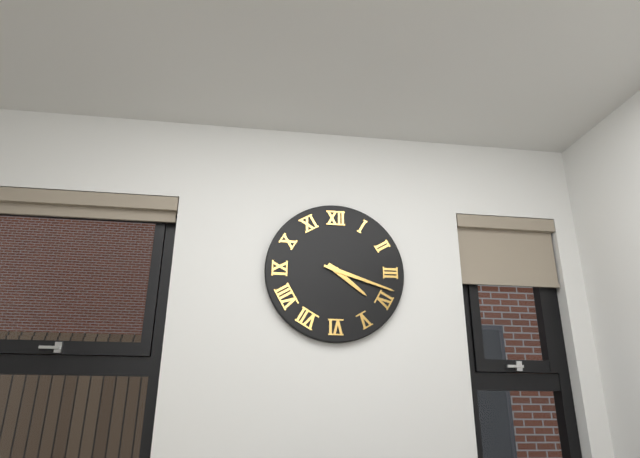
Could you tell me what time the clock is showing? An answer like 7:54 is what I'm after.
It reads 4:18
